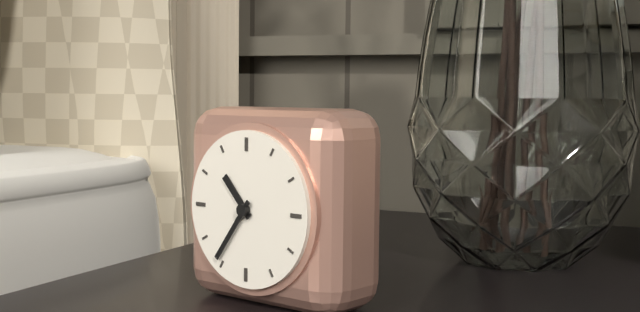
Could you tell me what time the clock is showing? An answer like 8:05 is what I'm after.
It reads 10:36
